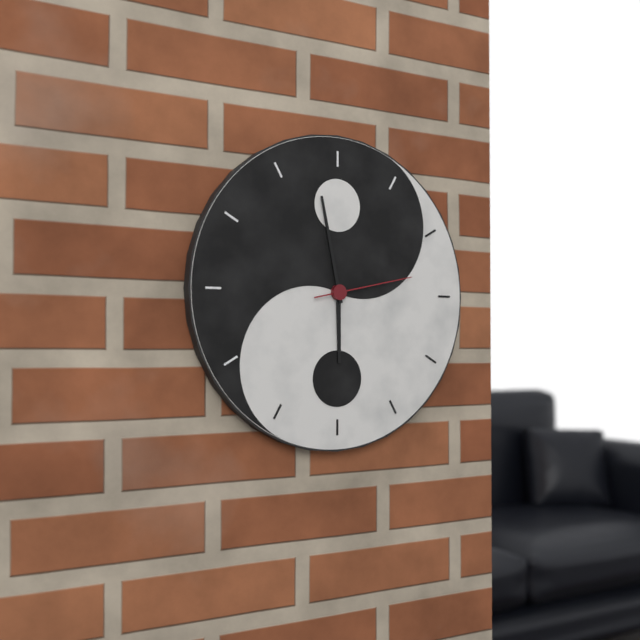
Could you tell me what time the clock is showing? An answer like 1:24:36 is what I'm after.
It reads 5:58:13
